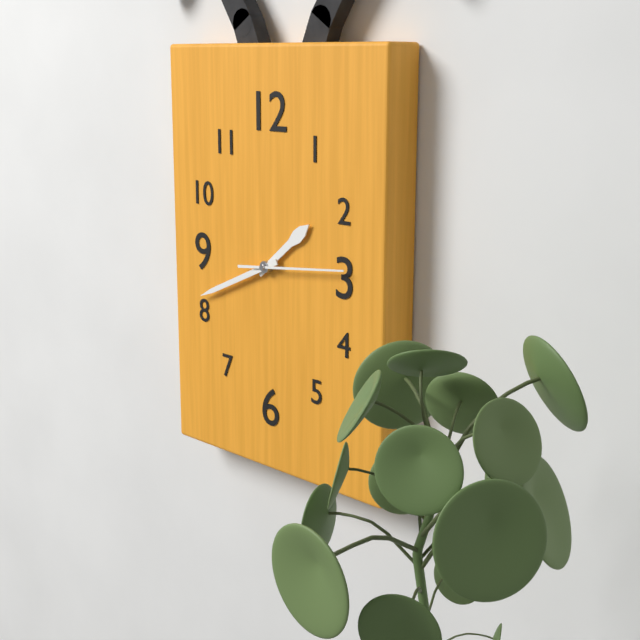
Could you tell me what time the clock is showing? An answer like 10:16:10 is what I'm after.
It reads 1:41:14
